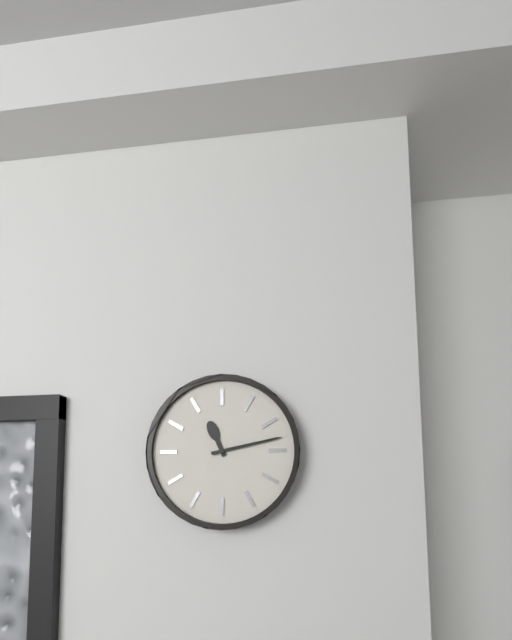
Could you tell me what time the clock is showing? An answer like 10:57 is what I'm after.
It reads 11:13
